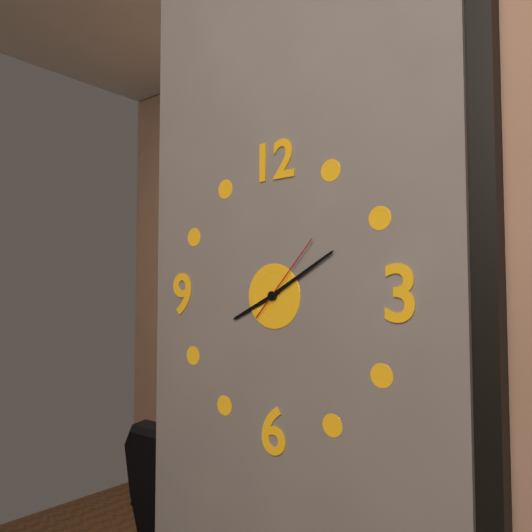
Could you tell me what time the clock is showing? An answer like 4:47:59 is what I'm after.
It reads 8:10:07
